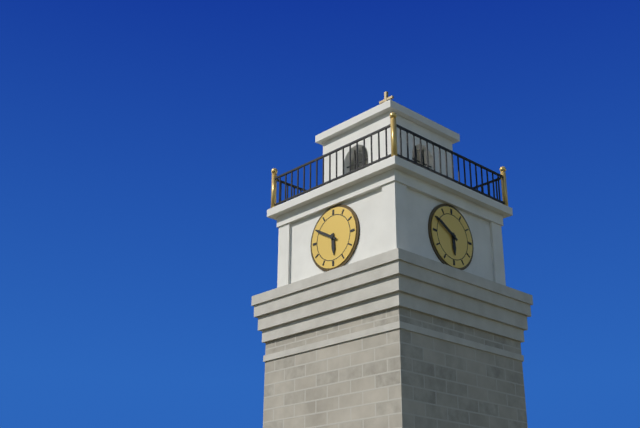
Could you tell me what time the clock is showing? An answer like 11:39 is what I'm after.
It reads 5:50
